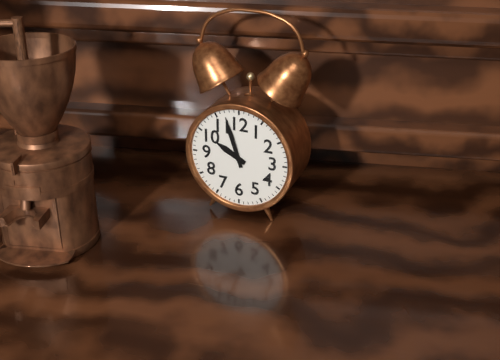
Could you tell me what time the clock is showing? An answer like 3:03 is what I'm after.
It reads 9:57
